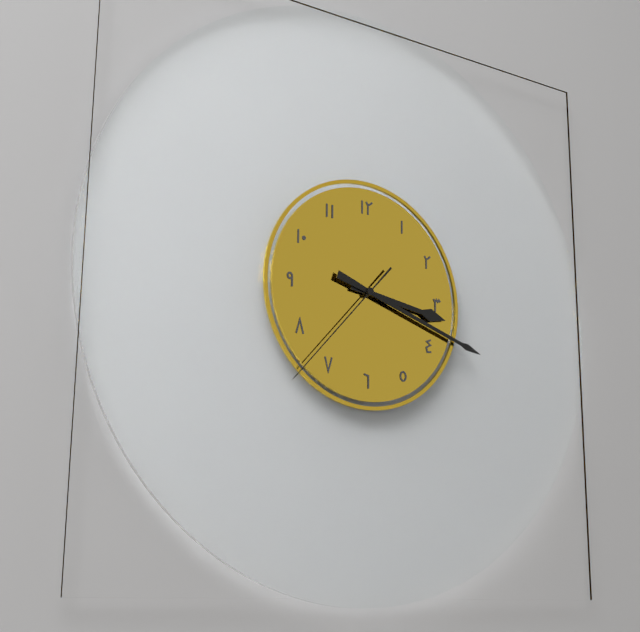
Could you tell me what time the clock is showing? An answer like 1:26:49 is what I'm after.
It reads 3:18:37
